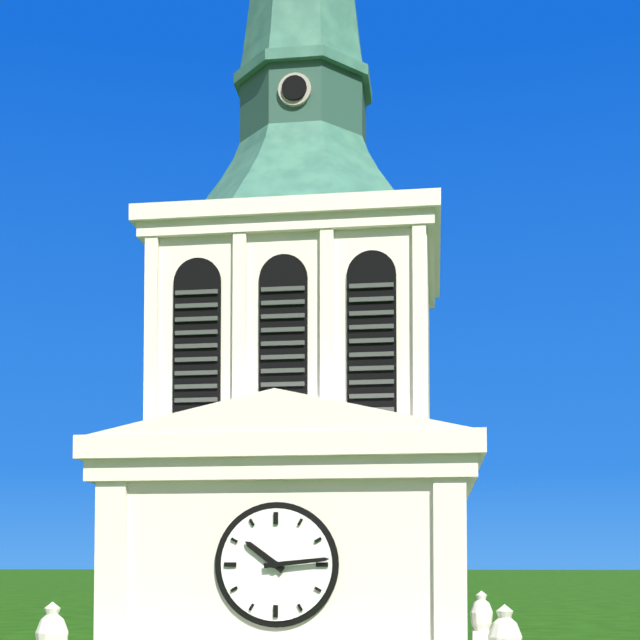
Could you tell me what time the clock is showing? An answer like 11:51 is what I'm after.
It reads 10:14
